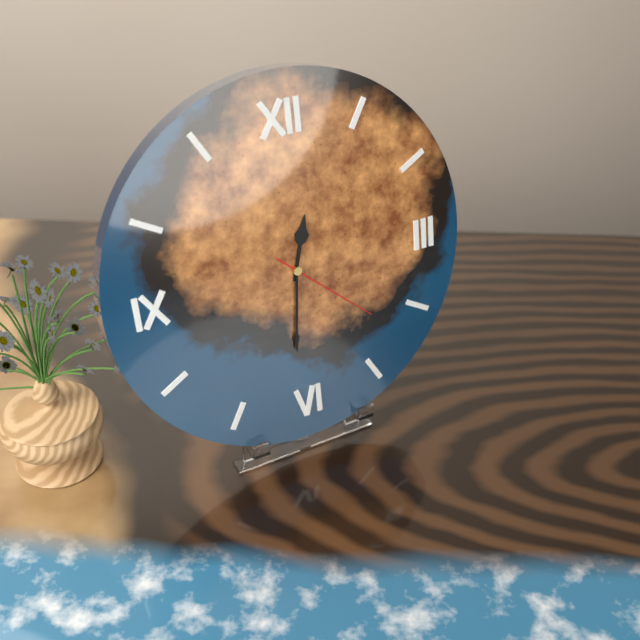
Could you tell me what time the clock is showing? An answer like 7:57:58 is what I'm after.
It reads 12:31:22
